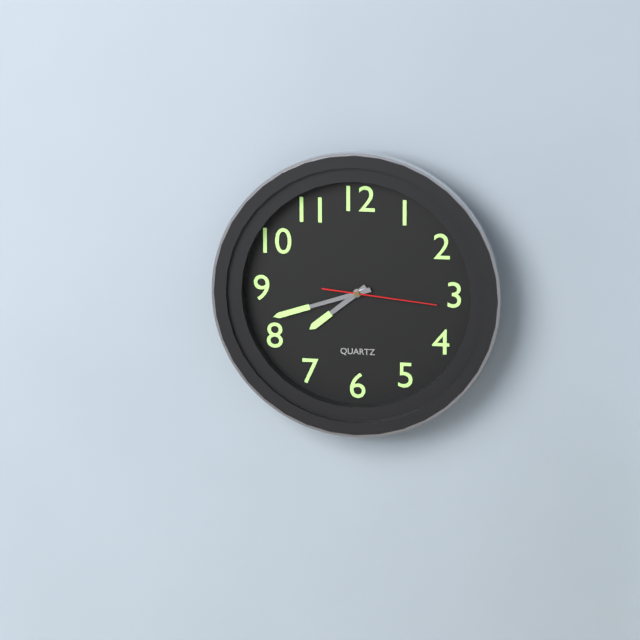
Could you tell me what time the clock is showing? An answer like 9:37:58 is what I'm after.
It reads 7:42:16
